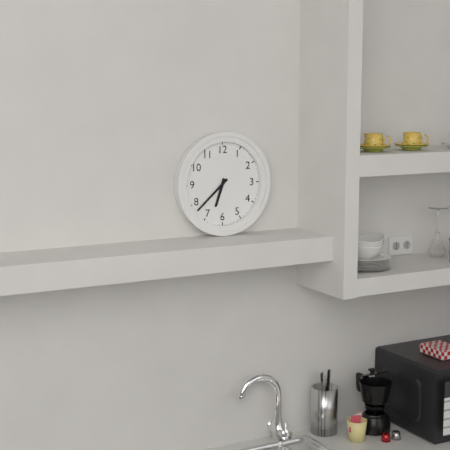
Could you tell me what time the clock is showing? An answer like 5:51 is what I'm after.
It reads 6:38
